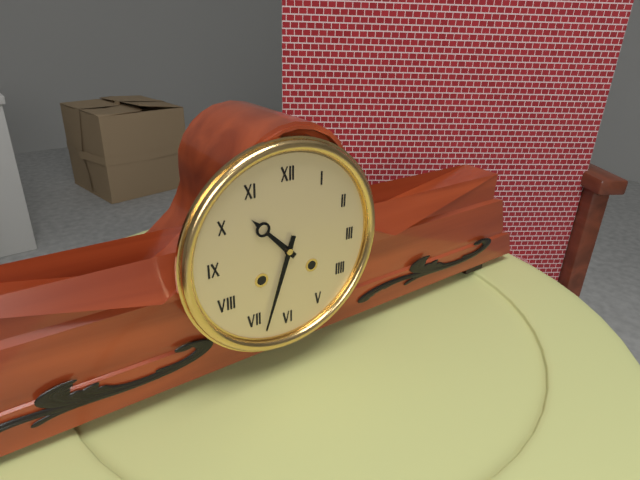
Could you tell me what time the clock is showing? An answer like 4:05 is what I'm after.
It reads 10:33
